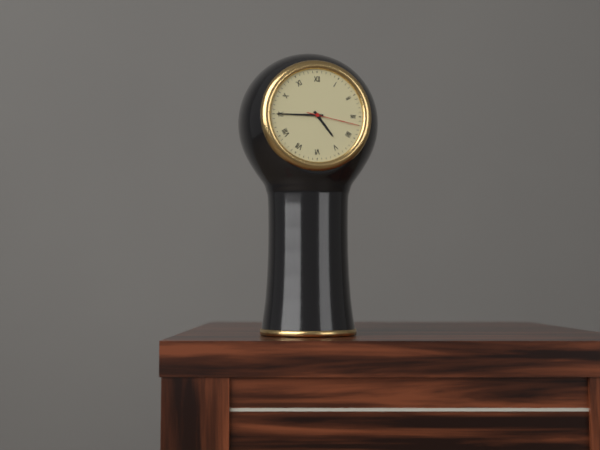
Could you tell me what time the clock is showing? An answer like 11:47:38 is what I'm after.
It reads 4:45:17
